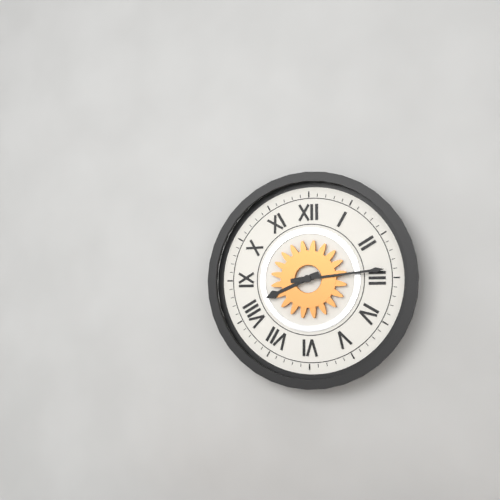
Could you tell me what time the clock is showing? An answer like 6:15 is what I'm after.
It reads 8:14
